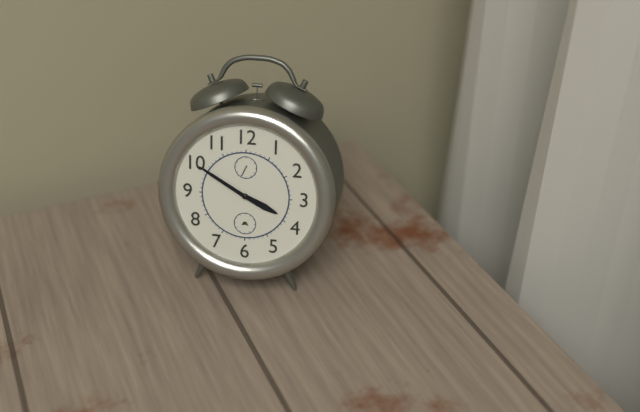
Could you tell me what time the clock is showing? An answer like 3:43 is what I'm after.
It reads 3:50
